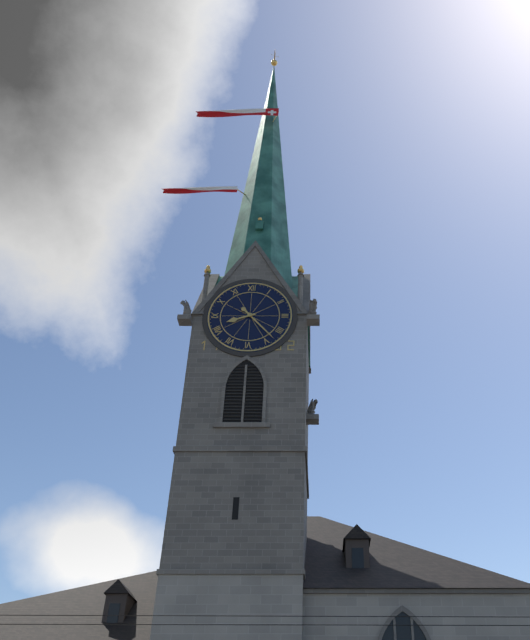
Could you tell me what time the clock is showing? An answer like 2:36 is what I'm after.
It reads 8:23
